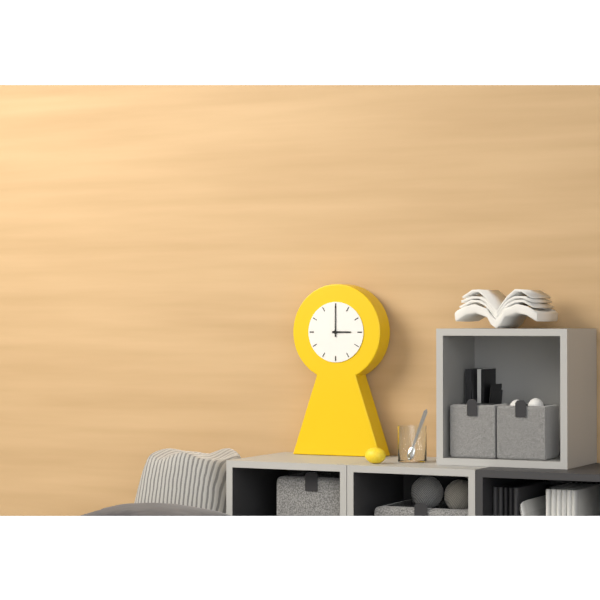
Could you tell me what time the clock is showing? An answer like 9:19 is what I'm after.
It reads 3:00
